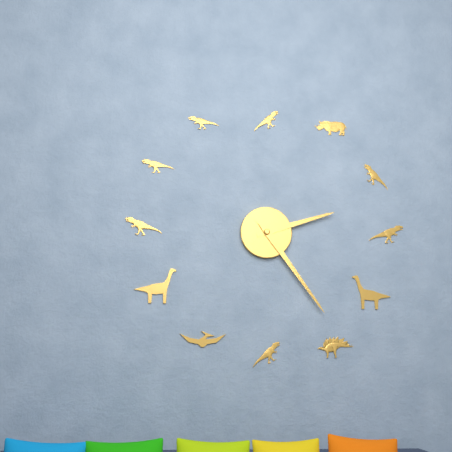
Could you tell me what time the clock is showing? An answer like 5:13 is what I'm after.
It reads 2:24
